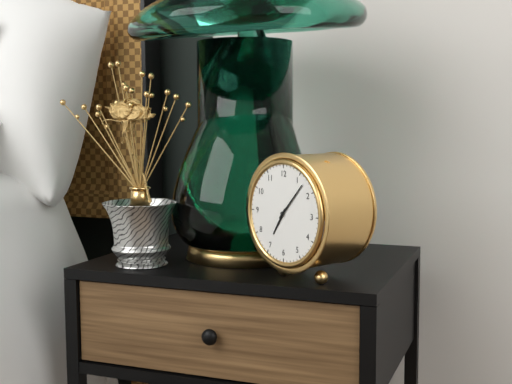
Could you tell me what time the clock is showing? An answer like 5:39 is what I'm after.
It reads 7:07
